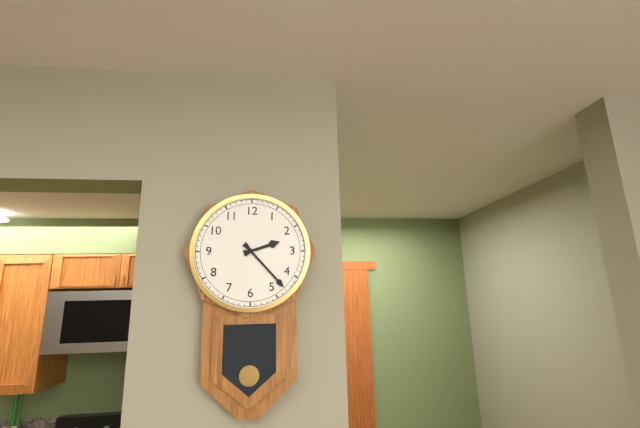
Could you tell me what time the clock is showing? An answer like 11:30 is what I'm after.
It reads 2:23
